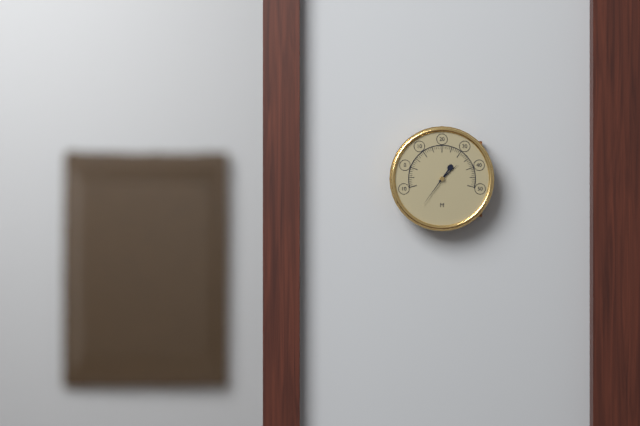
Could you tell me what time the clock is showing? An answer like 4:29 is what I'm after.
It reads 1:36
